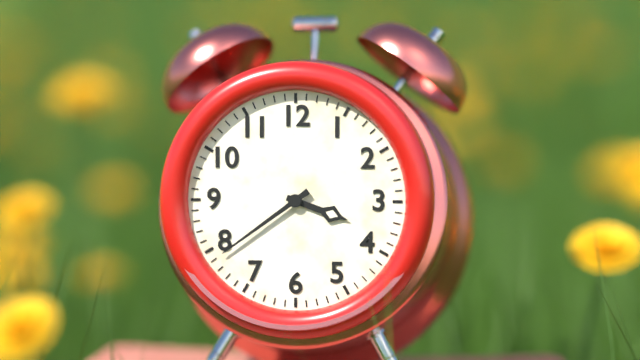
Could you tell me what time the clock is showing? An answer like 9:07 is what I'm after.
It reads 3:39
